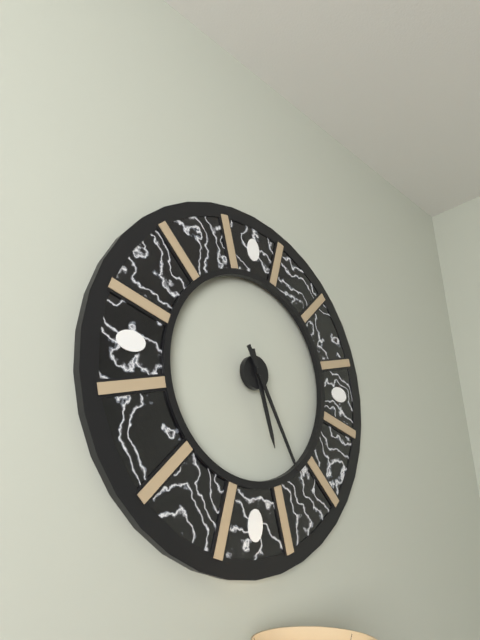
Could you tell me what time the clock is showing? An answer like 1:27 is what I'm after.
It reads 5:25
